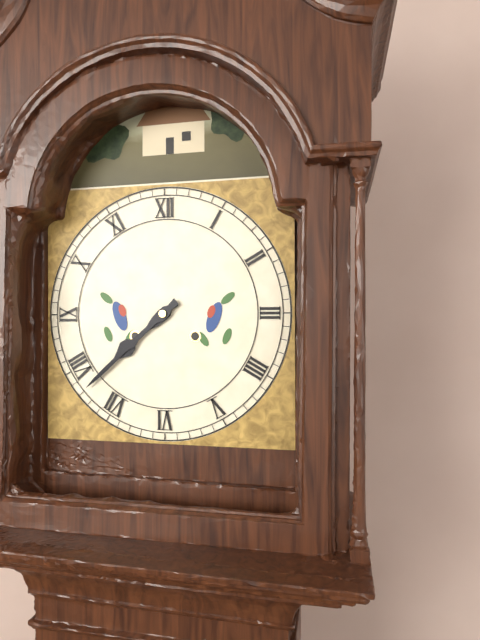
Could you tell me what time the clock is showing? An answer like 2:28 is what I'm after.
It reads 7:38
